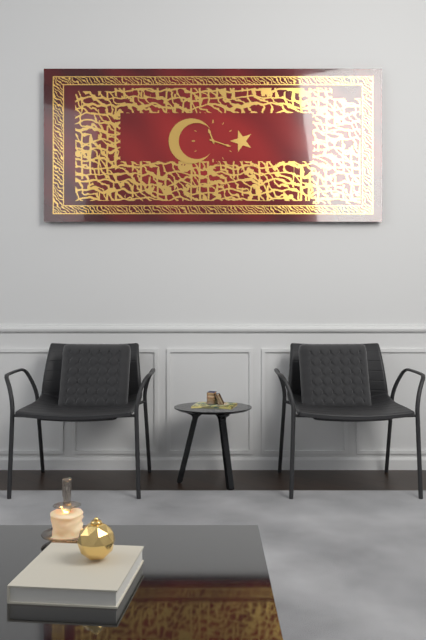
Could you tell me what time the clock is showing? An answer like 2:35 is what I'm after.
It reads 11:18
